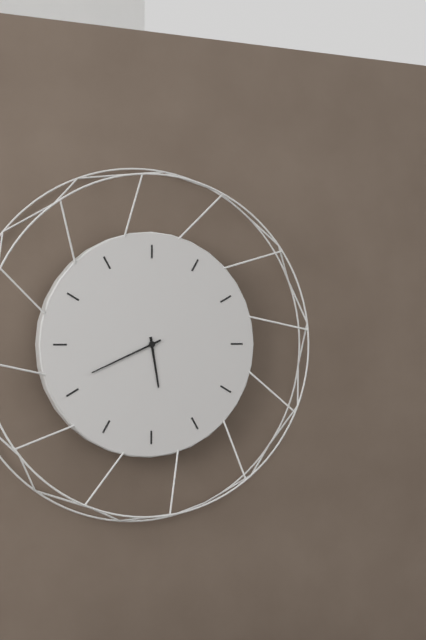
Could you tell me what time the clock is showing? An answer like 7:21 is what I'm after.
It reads 5:41
